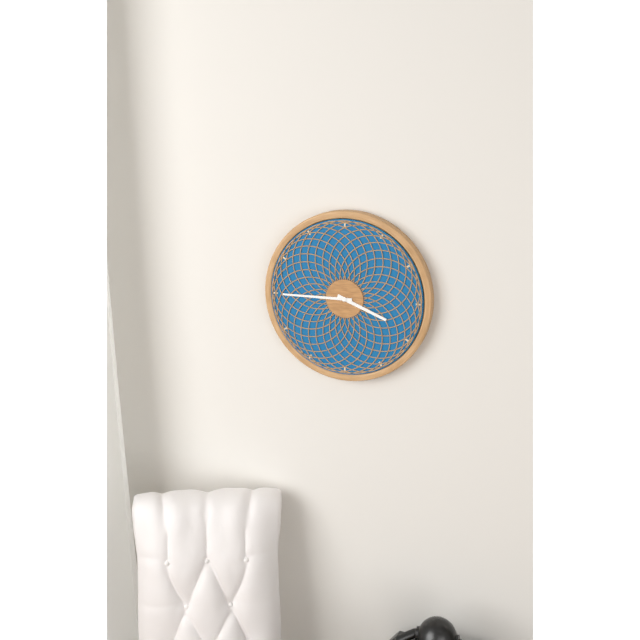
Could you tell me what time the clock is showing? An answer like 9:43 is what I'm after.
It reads 3:45
